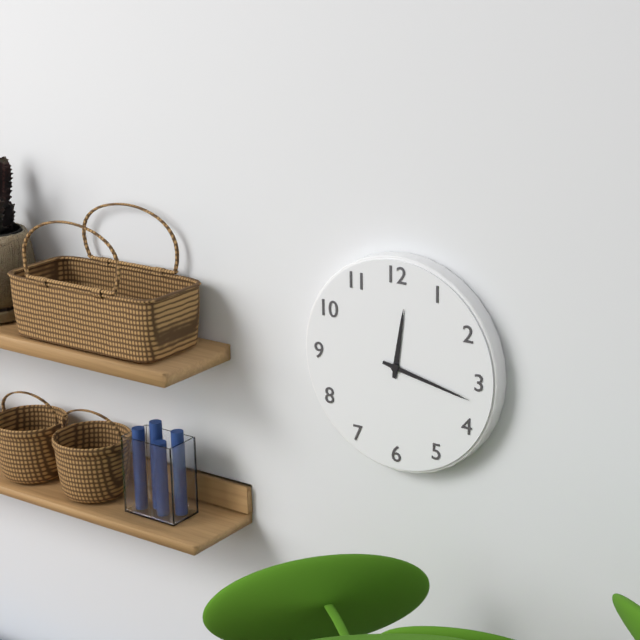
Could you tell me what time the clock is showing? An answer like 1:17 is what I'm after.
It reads 12:17
